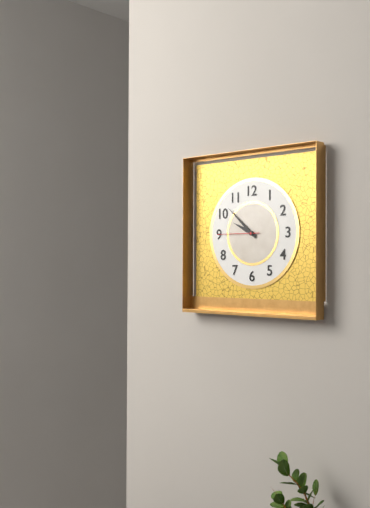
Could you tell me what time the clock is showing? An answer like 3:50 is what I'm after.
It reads 9:52
